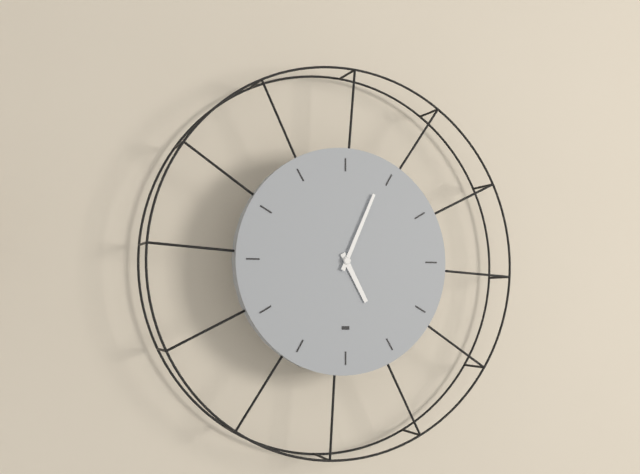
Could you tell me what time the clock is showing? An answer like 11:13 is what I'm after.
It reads 5:04
